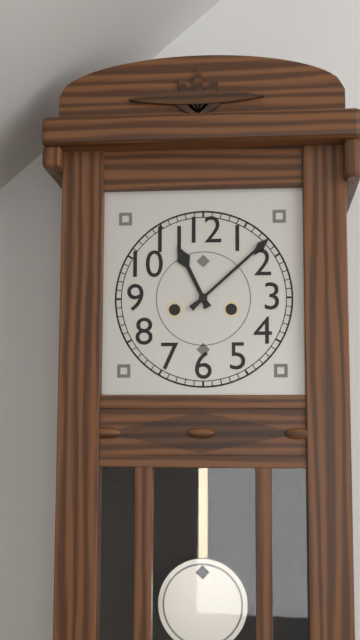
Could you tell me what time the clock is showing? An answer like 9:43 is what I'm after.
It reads 11:08
